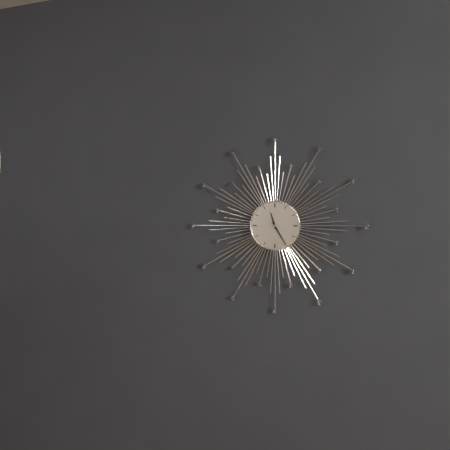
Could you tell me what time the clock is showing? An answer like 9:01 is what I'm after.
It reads 11:25
